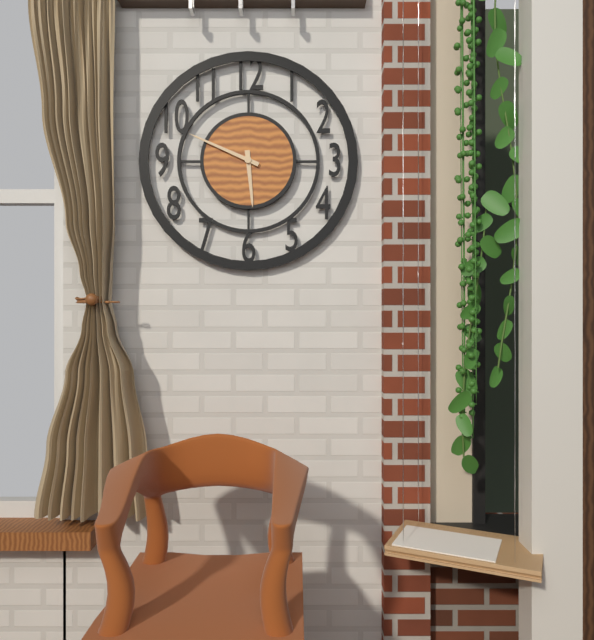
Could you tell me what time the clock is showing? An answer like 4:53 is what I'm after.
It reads 5:49
